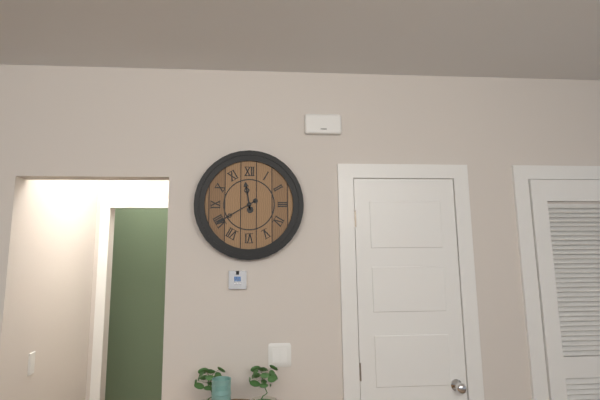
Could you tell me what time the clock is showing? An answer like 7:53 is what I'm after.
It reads 11:40
